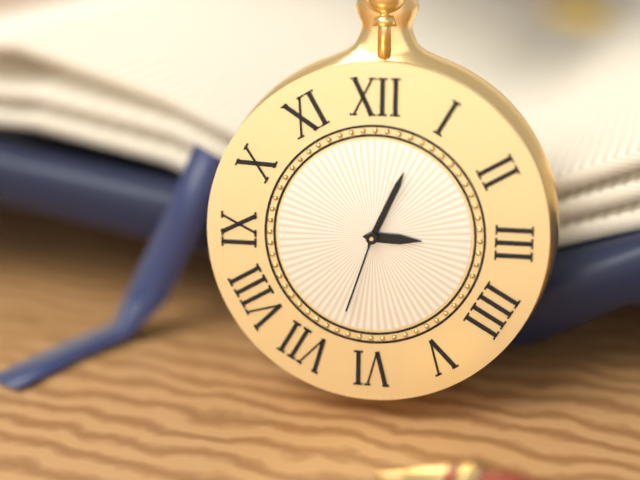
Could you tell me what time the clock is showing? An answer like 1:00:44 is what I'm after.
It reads 3:04:33
